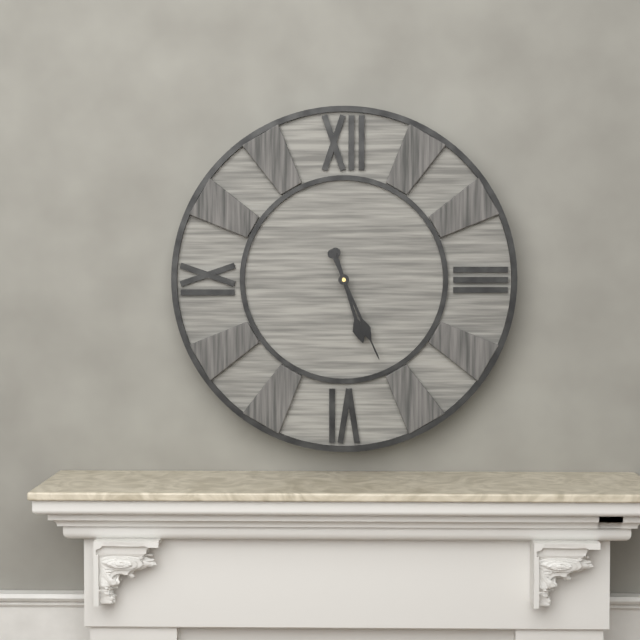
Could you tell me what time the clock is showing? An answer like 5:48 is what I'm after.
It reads 5:26
